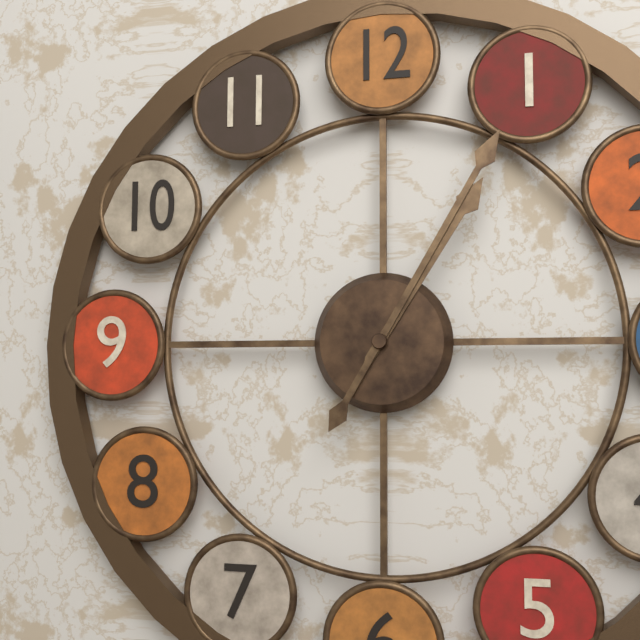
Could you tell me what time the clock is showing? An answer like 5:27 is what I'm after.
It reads 1:05
